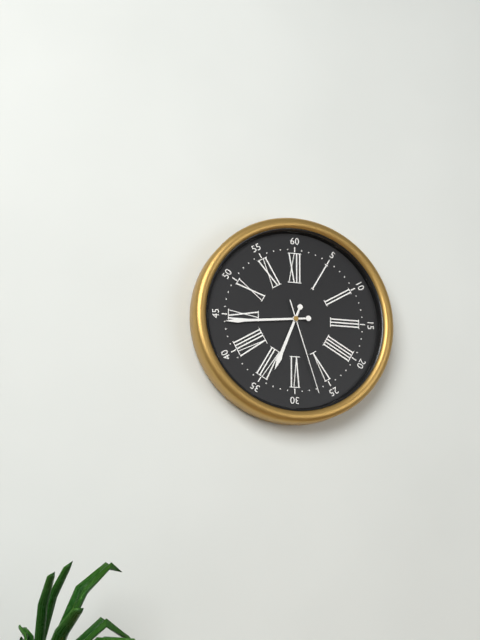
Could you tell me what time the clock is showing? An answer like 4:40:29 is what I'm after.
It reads 6:44:27
